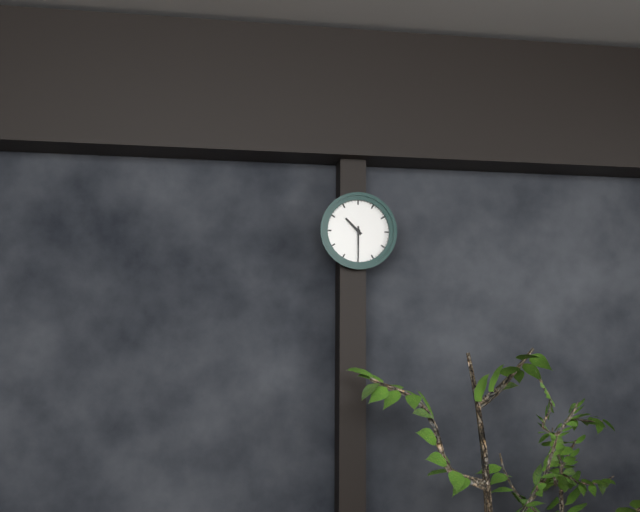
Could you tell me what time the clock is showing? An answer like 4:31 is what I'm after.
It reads 10:30
